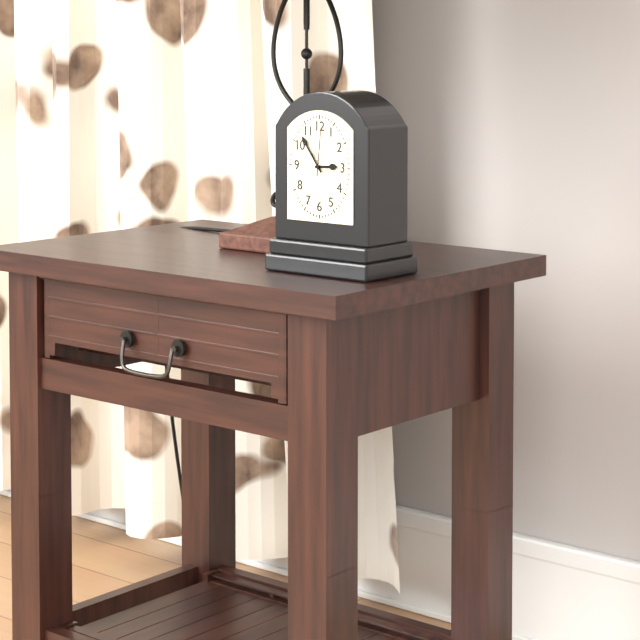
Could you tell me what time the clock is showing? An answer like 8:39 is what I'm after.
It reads 2:54
